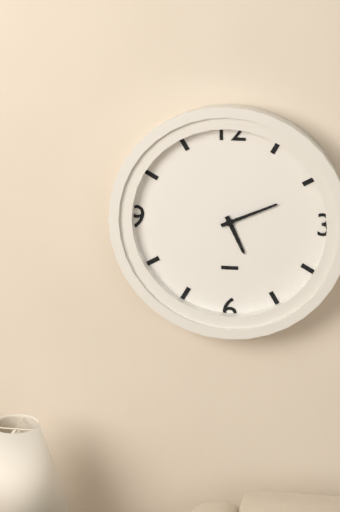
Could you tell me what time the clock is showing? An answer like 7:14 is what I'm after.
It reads 5:11
